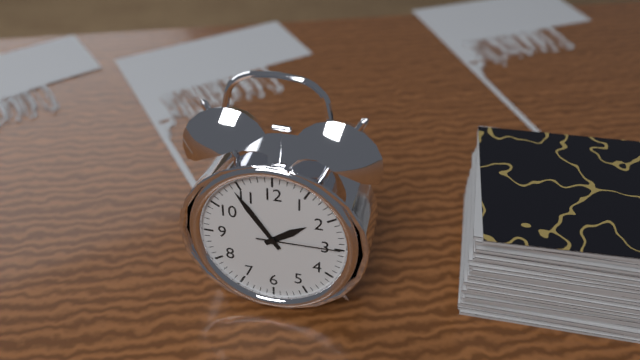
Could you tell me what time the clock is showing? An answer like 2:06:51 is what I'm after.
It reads 1:54:15
